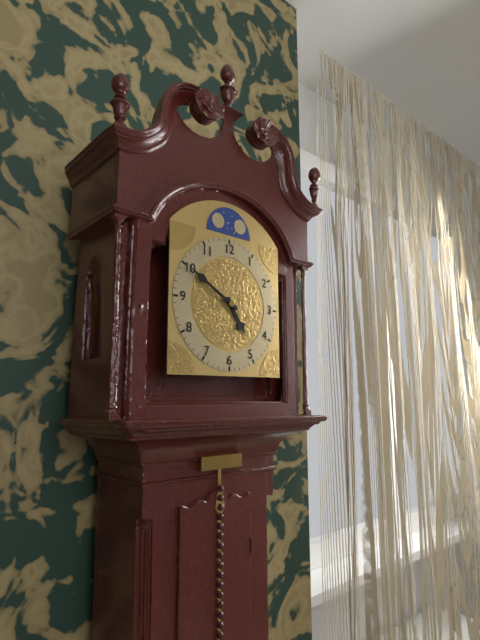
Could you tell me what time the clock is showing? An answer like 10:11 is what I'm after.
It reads 4:50
